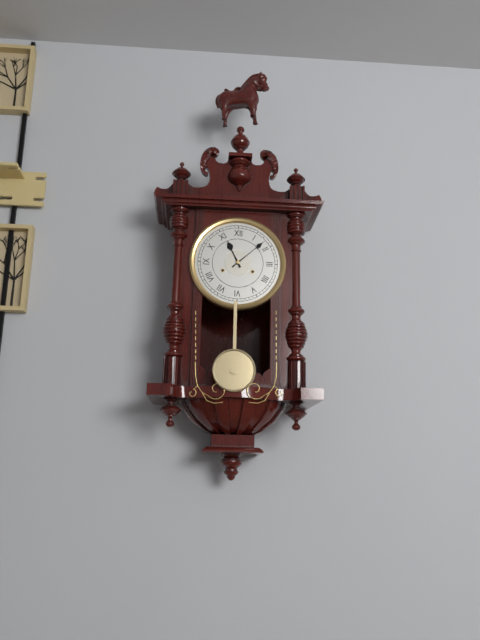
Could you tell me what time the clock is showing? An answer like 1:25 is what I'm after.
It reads 11:08
